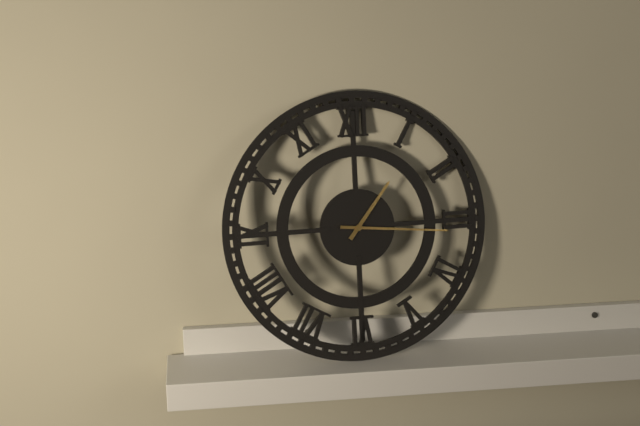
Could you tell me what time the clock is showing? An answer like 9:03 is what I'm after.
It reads 1:16
